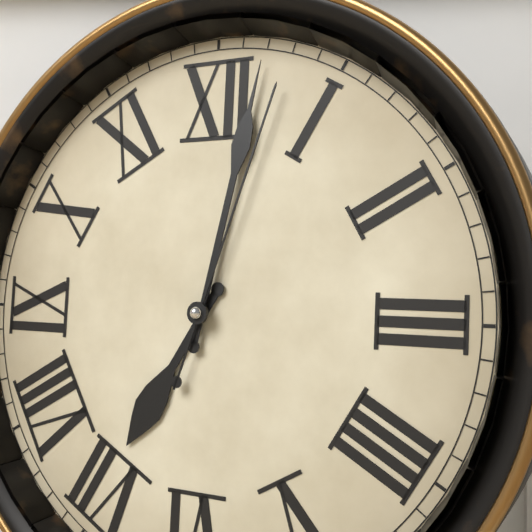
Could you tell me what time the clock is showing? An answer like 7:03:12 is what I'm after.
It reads 7:02:03
